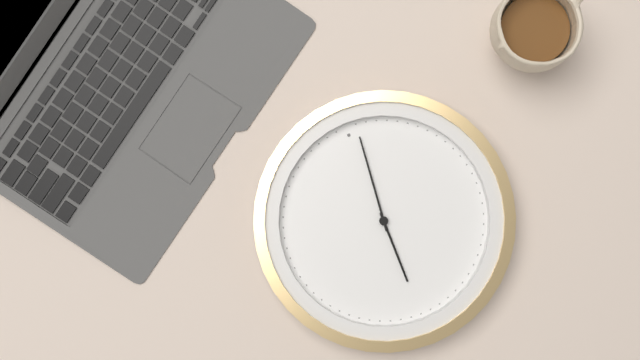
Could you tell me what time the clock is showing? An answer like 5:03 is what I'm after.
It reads 6:01
